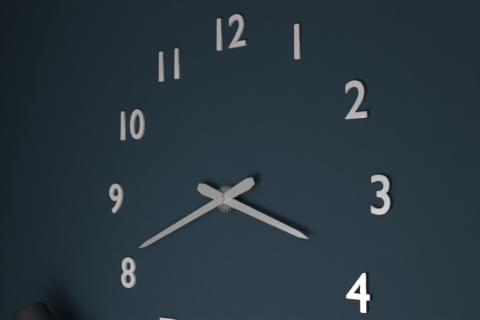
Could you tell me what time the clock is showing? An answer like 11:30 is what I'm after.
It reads 3:41
